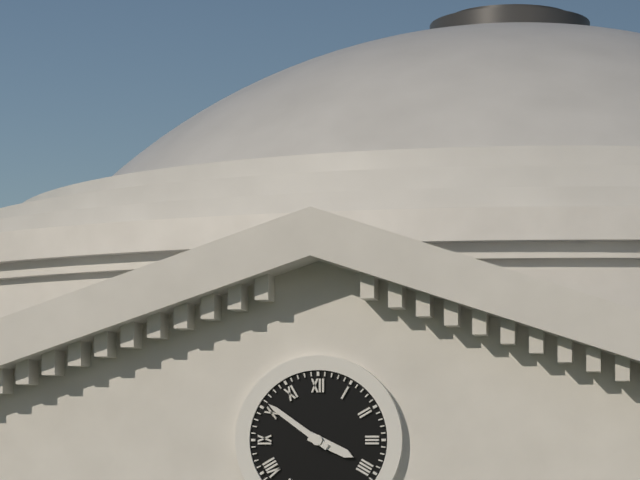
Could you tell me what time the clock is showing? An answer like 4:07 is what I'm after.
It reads 3:51
